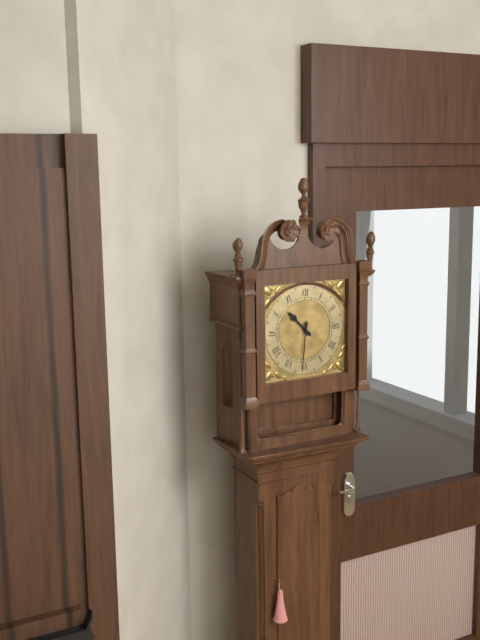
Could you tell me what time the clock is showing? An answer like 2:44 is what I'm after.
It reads 10:31
